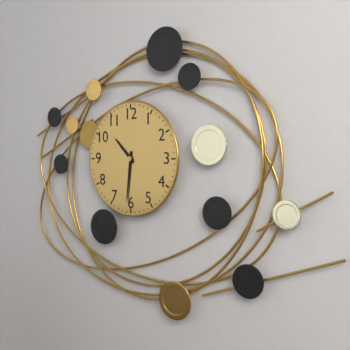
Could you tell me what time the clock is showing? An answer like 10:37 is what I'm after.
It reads 10:31
